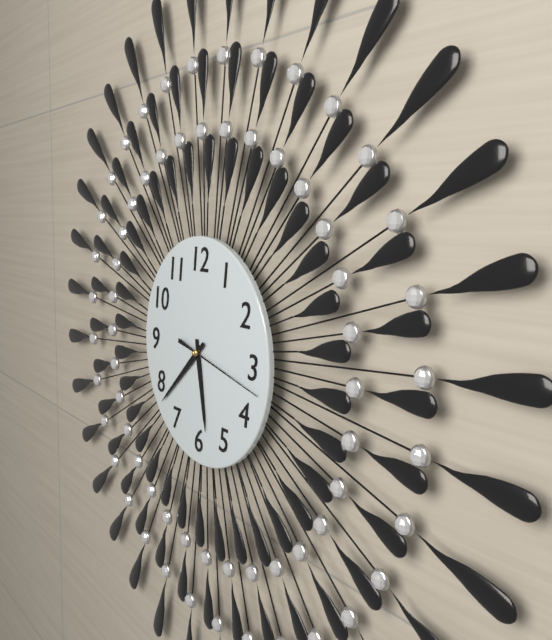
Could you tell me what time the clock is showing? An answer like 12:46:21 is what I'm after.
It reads 5:38:17
